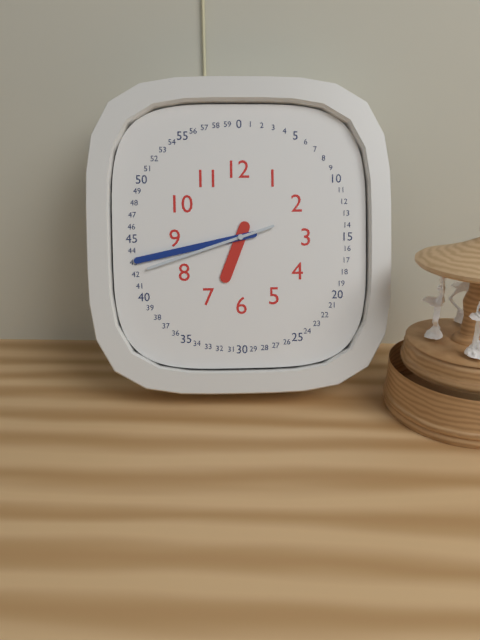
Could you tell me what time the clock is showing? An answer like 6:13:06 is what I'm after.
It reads 6:43:42
